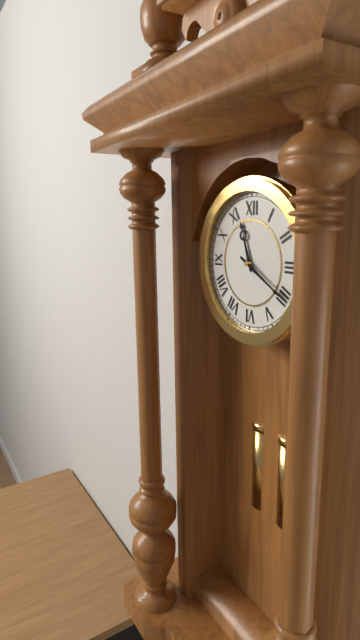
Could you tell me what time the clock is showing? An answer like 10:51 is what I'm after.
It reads 11:20
